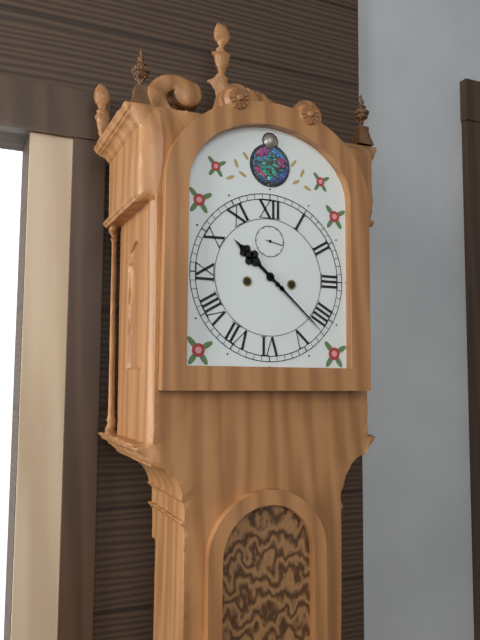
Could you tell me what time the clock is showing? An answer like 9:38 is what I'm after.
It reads 10:22
